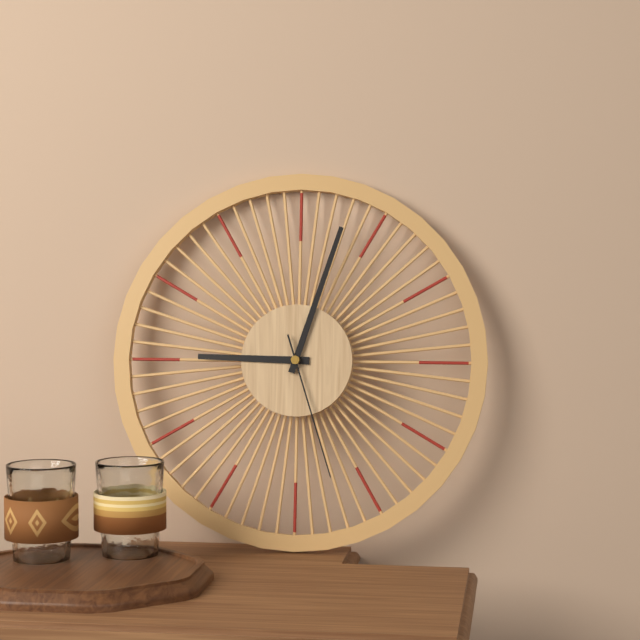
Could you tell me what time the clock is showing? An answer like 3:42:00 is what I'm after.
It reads 9:03:27
